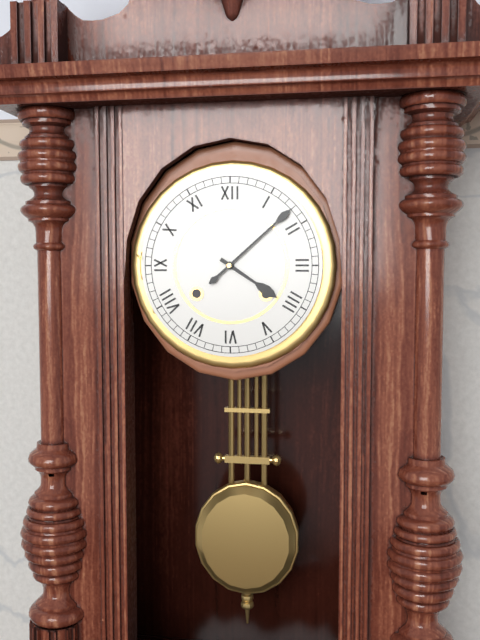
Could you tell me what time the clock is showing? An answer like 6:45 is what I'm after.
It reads 4:08
